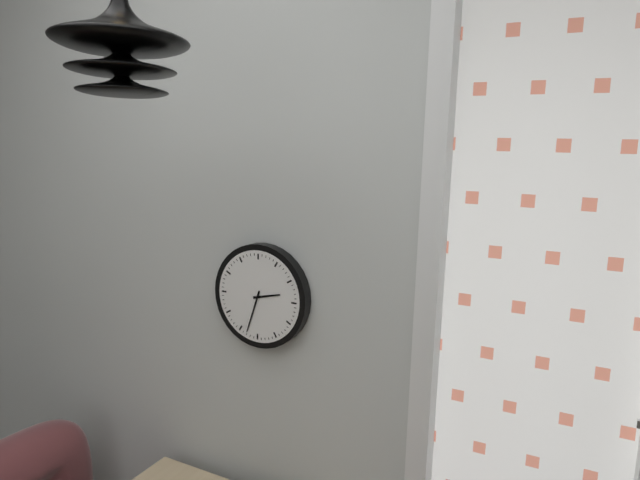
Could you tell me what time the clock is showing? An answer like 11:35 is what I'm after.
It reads 2:33
